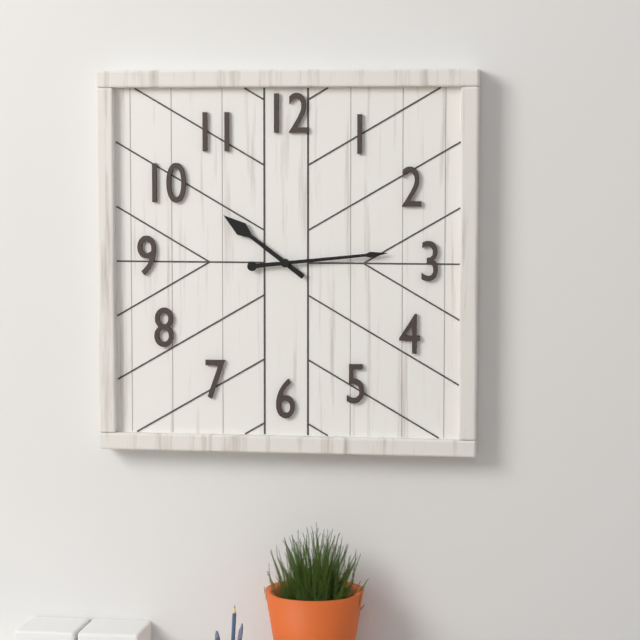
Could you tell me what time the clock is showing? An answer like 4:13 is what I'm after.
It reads 10:14
